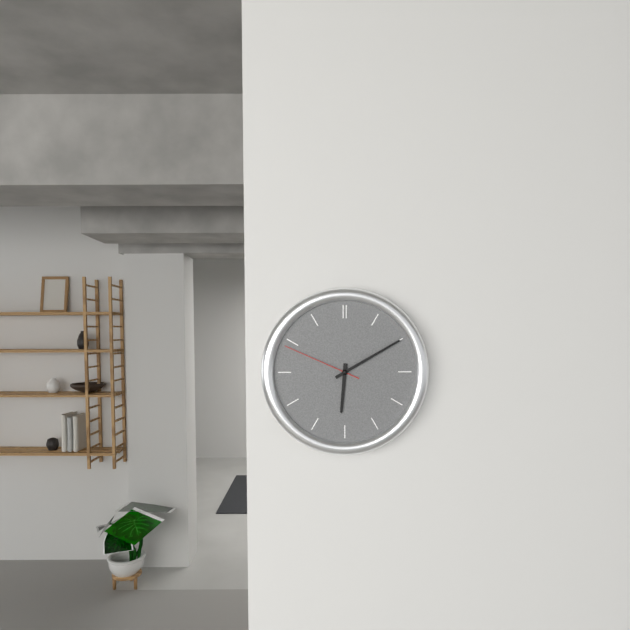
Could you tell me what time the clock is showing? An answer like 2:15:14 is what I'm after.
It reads 6:10:49
